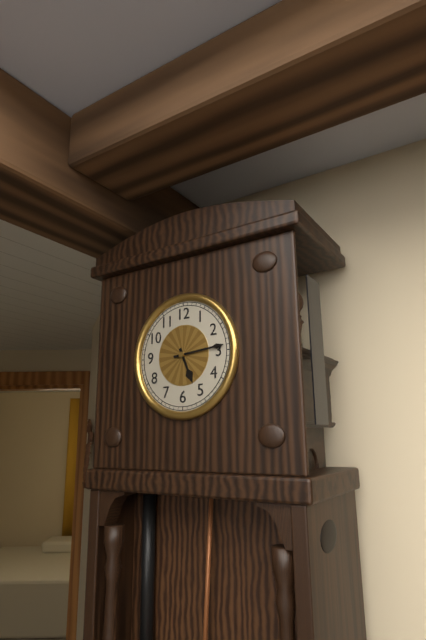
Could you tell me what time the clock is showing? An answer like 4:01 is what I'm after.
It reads 5:14
